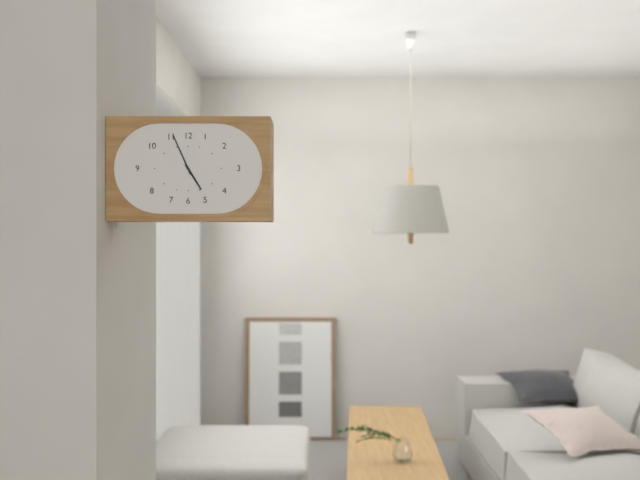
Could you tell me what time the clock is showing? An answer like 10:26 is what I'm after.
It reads 4:56
